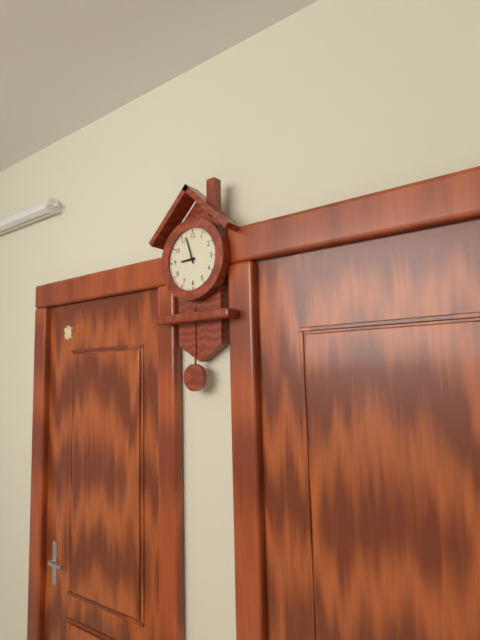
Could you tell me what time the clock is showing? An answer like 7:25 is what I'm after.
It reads 8:57
